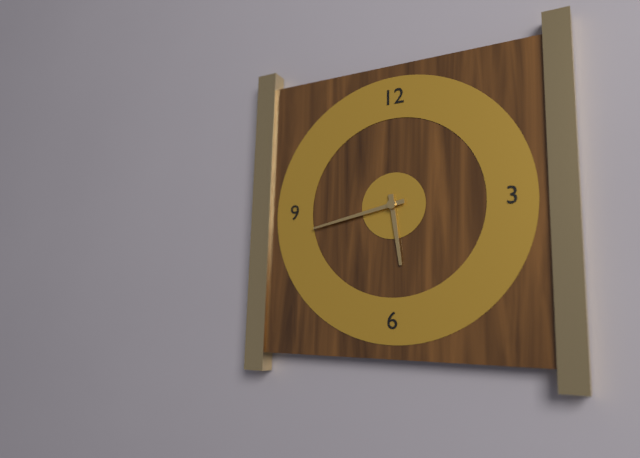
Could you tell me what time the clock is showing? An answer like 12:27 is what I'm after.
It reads 5:43
